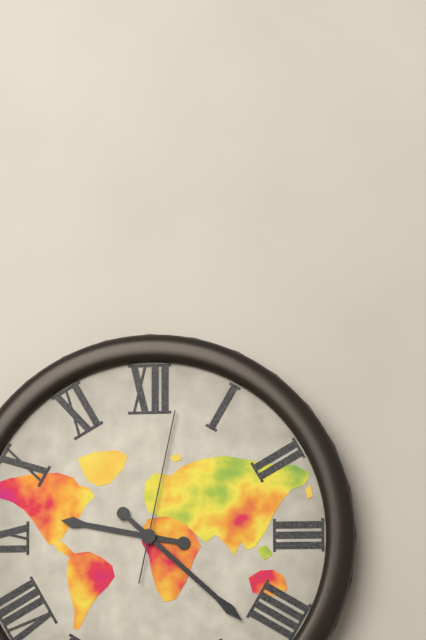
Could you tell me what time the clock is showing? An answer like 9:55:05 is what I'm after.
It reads 9:22:02
